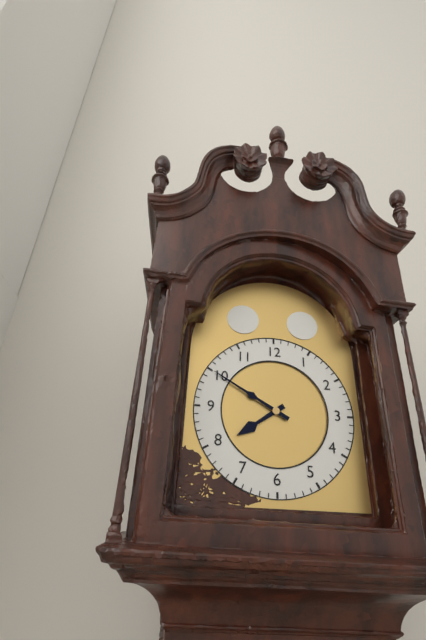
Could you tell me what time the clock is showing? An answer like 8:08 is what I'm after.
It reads 7:50
